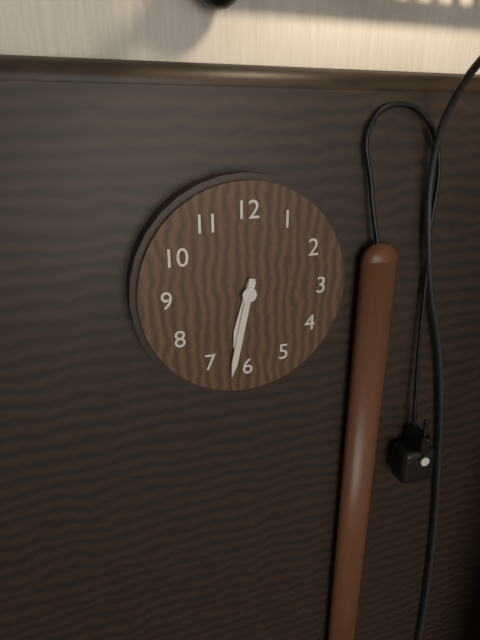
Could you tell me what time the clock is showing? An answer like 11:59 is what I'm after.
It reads 6:32
